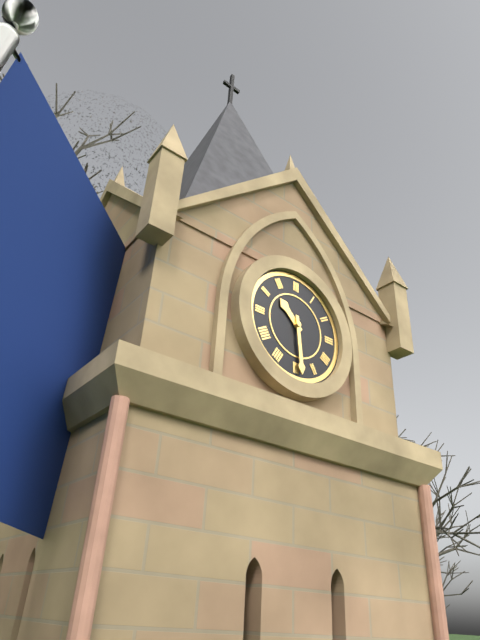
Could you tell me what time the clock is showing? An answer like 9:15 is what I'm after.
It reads 10:29
